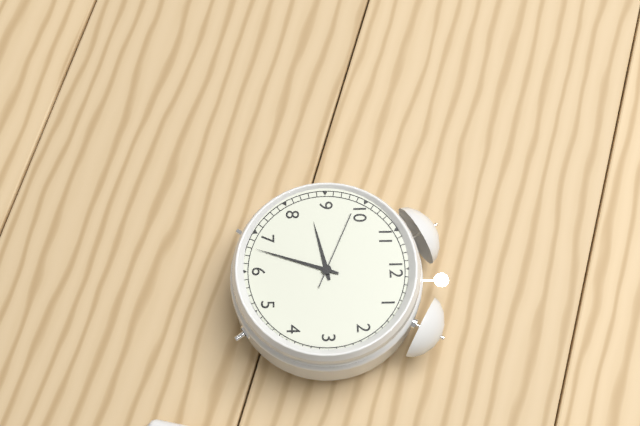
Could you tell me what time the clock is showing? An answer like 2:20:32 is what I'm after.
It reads 8:33:49
